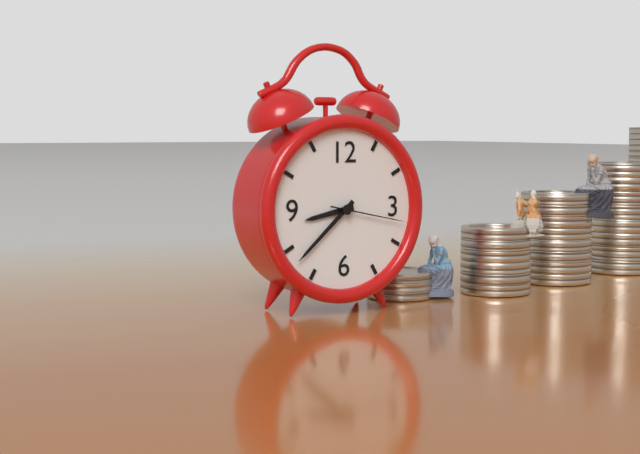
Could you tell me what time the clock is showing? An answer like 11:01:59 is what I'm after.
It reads 8:38:17
